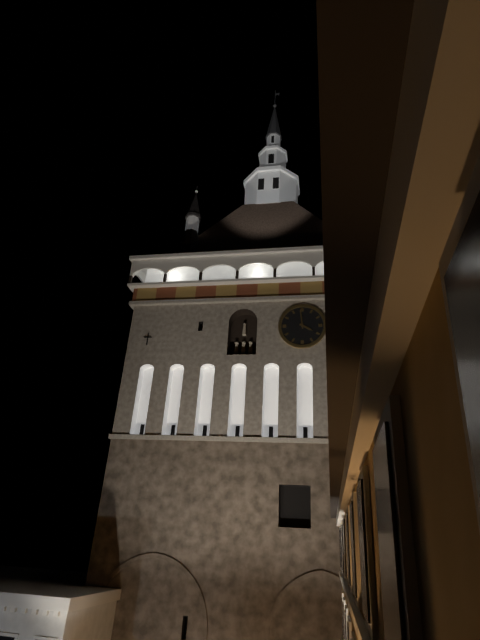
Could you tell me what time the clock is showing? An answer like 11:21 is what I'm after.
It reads 3:59
